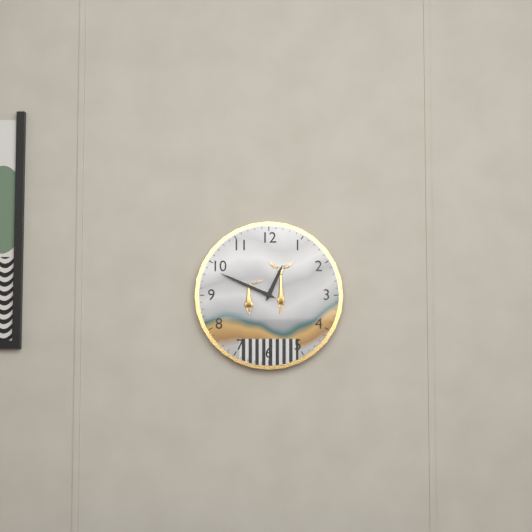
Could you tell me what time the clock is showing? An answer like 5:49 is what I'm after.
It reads 12:49
